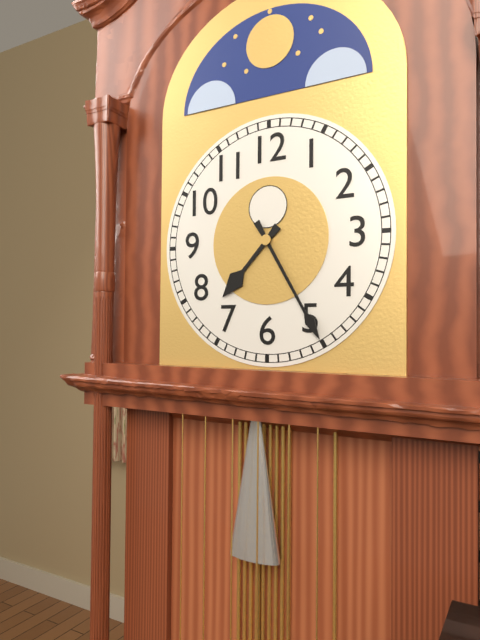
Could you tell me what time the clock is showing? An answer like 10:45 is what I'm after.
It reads 7:25
